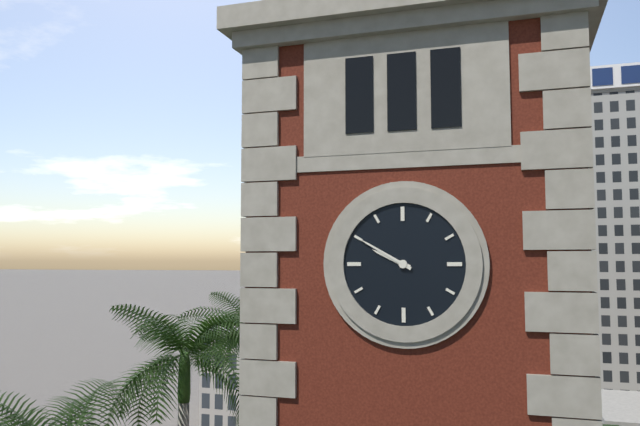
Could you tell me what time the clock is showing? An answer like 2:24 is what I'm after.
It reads 9:50
